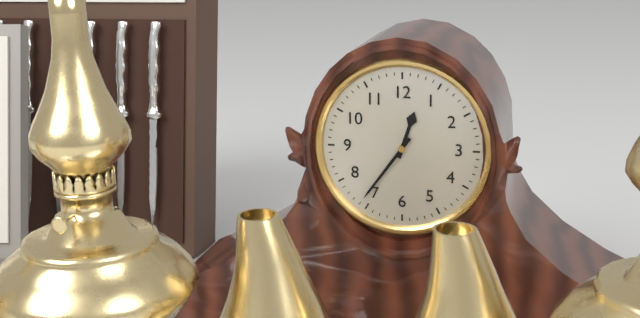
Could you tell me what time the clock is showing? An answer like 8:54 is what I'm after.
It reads 12:36
